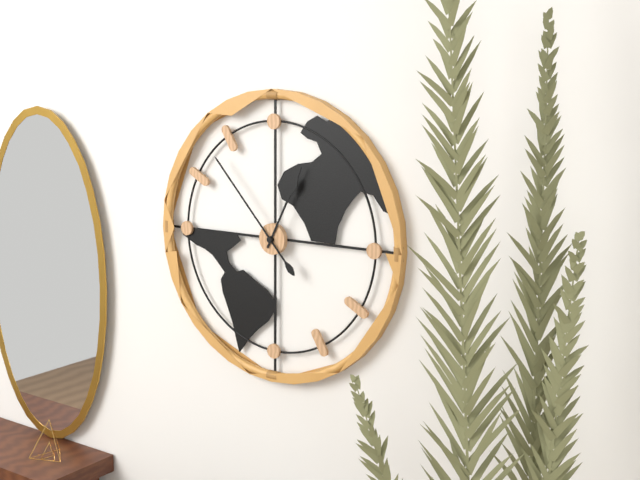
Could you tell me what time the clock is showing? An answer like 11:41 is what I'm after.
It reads 12:53
